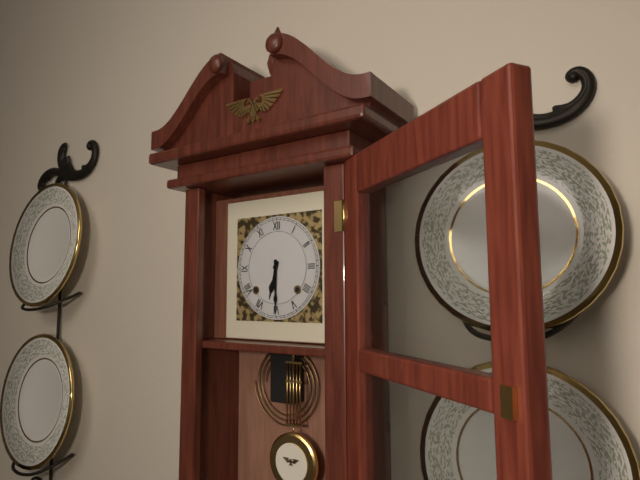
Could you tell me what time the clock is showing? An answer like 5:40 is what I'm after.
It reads 6:30
